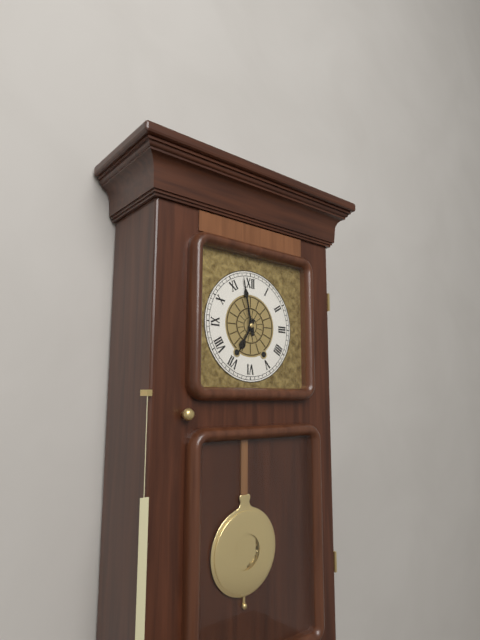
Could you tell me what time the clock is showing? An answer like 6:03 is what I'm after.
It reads 6:58
